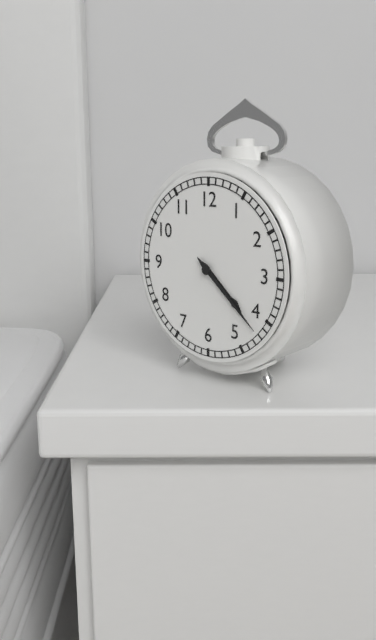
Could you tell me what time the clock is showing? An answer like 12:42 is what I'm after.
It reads 4:22
